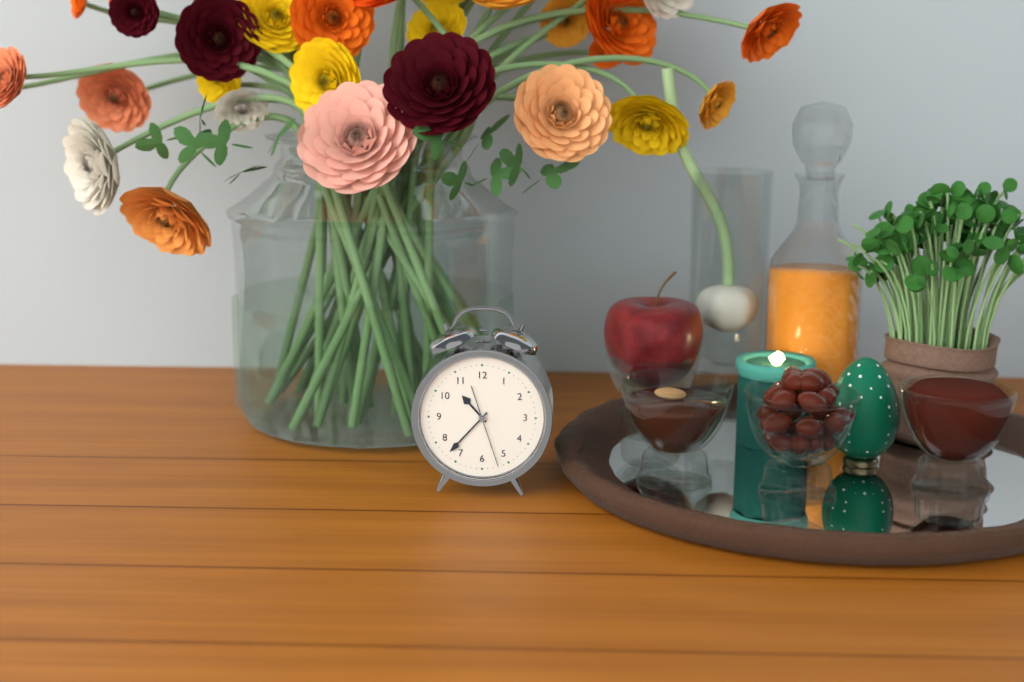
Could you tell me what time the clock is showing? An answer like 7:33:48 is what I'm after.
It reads 10:37:27
